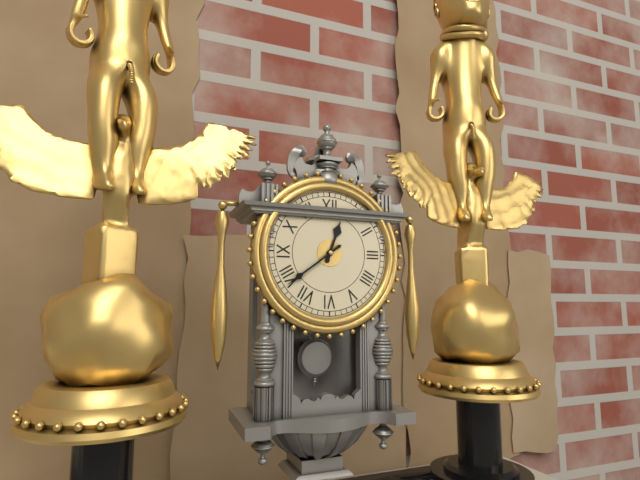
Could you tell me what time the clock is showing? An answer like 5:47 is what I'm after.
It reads 12:39
